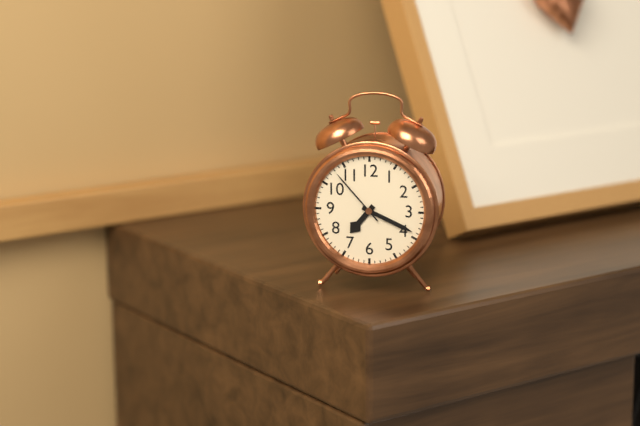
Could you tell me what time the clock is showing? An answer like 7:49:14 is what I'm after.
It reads 7:19:53
